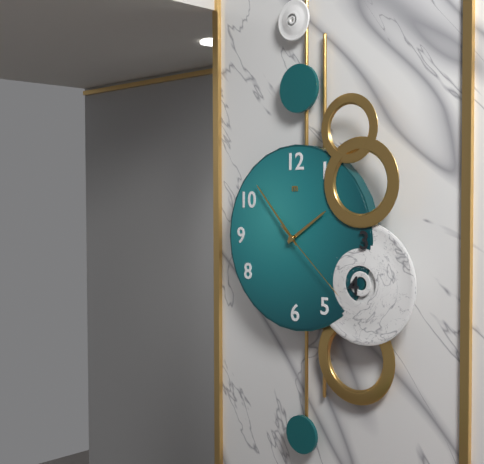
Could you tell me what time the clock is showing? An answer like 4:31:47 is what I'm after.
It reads 1:53:22
